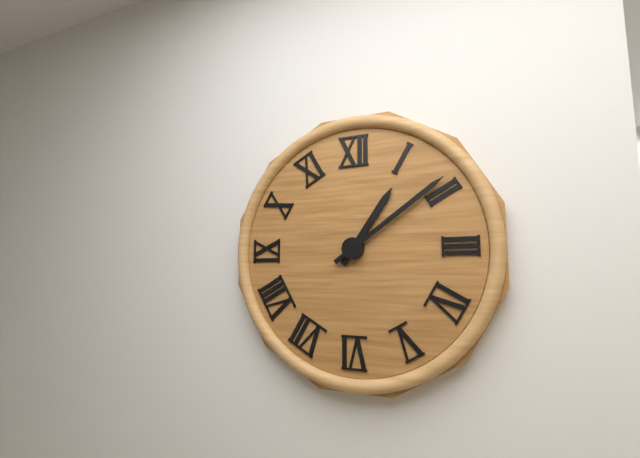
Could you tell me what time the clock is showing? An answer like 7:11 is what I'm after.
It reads 1:09
